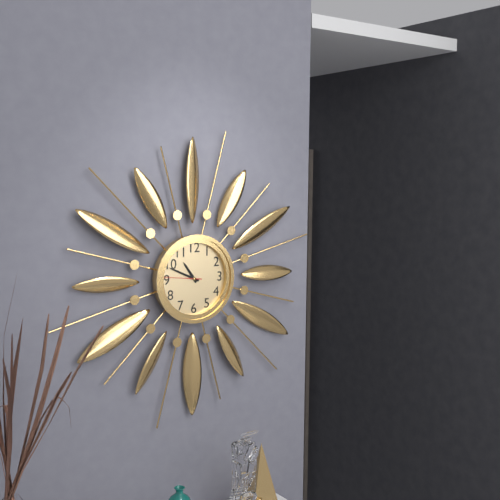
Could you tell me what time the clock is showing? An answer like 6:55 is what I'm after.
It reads 10:49
